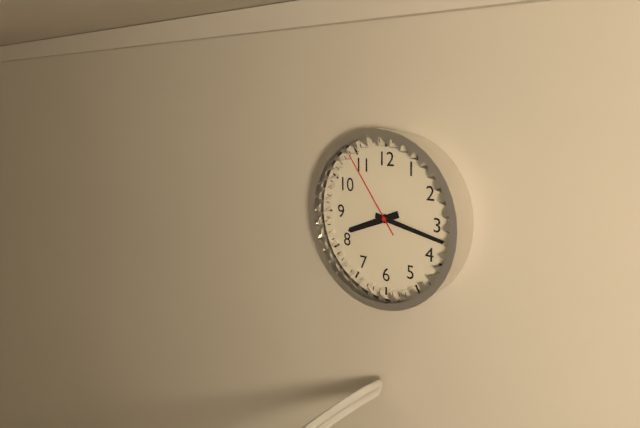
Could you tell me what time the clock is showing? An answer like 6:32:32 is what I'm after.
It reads 8:17:54
